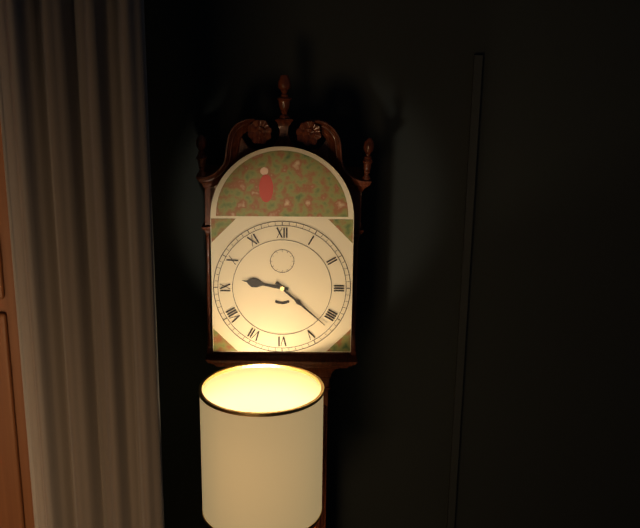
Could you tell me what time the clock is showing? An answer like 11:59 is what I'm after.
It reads 9:22
